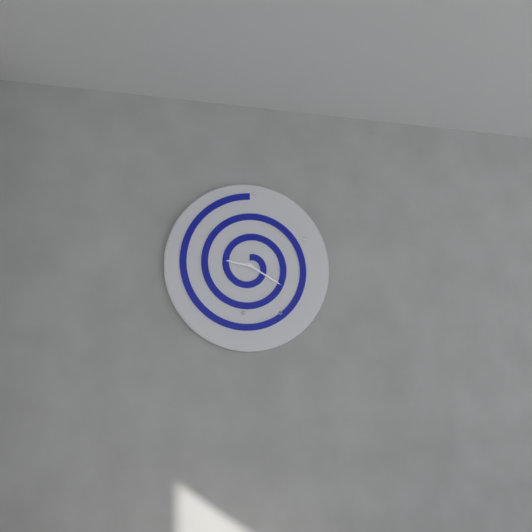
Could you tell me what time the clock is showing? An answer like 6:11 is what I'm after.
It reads 9:20
